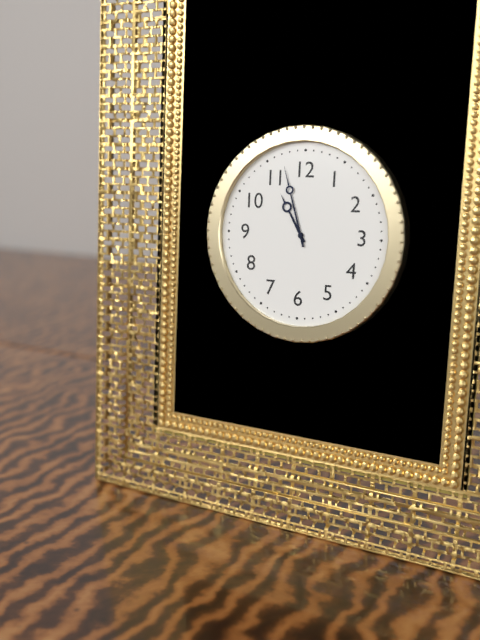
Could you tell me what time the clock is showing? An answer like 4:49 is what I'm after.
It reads 10:57
